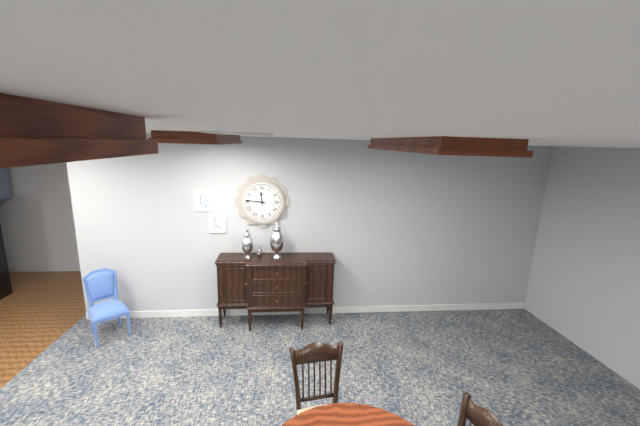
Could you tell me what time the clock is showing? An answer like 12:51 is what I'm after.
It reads 11:46
